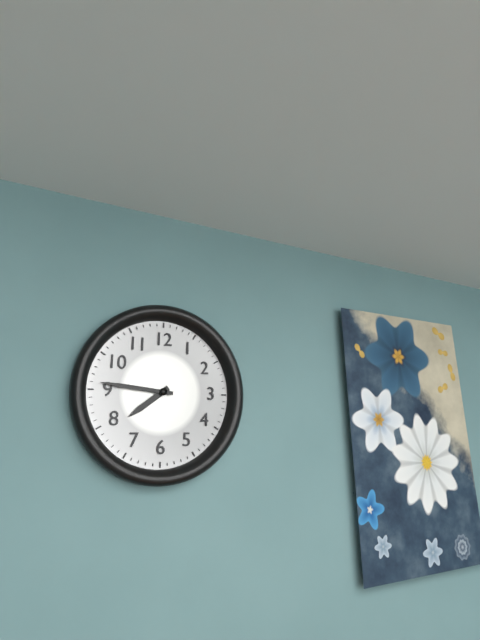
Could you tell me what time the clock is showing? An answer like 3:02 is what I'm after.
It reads 7:46
